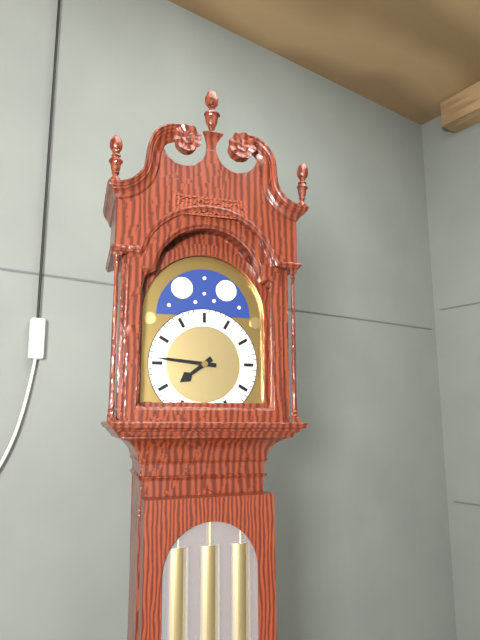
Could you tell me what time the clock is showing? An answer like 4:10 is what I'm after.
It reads 7:46
